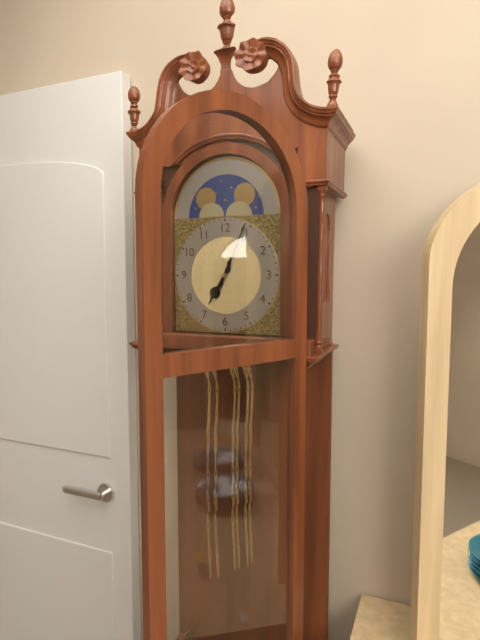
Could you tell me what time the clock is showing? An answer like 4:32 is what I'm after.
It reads 7:04
